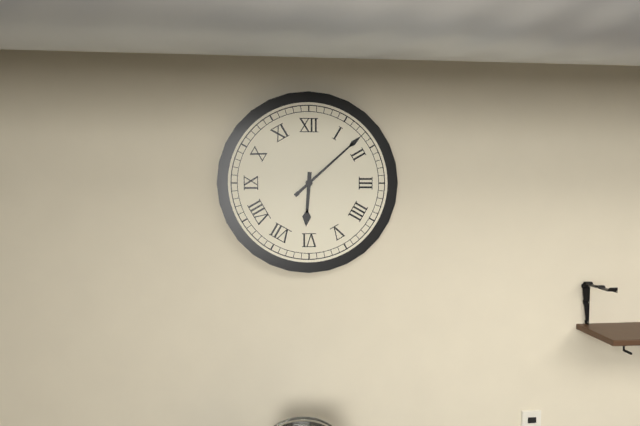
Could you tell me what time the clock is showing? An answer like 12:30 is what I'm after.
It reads 6:08
